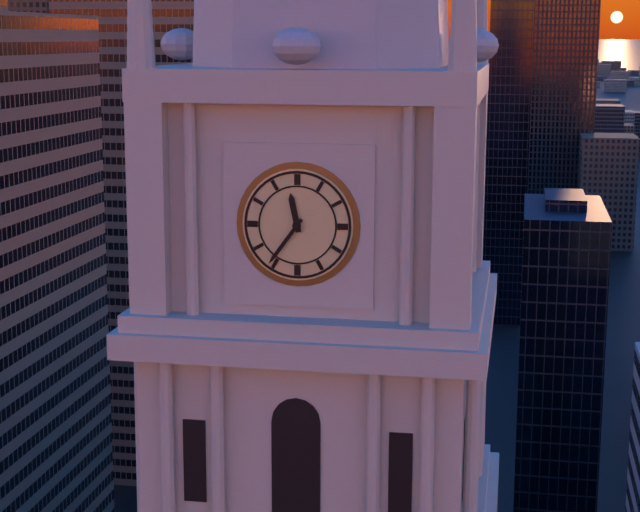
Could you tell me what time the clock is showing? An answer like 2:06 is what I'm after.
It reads 11:36
